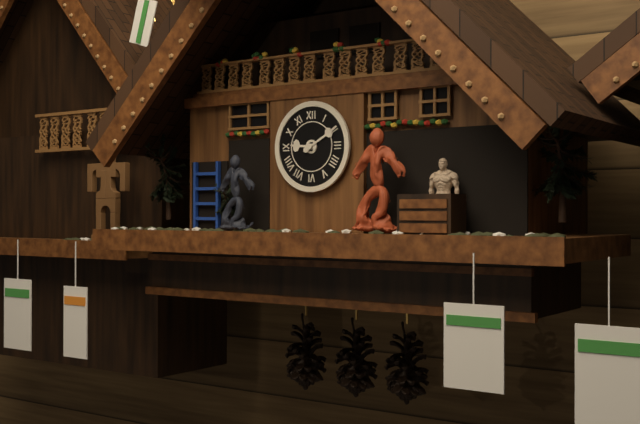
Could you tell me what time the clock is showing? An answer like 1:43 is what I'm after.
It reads 9:10
